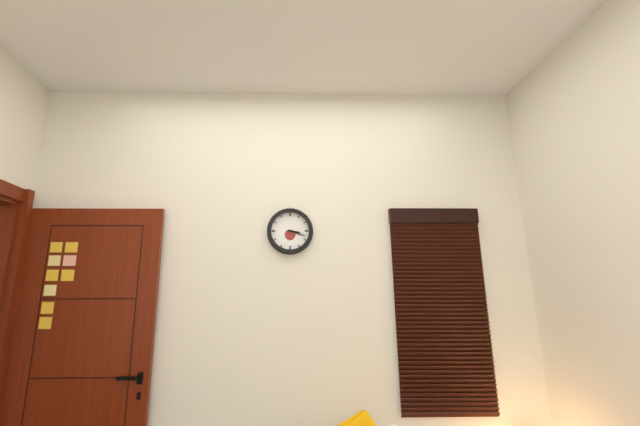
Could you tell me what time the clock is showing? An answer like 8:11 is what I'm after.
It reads 3:18
